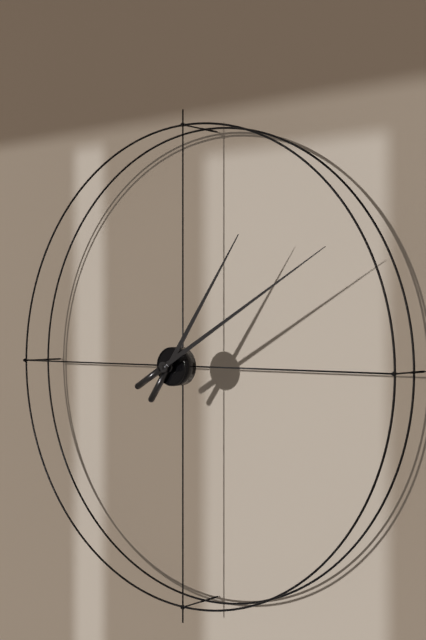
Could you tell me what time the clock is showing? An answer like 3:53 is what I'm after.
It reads 1:10
